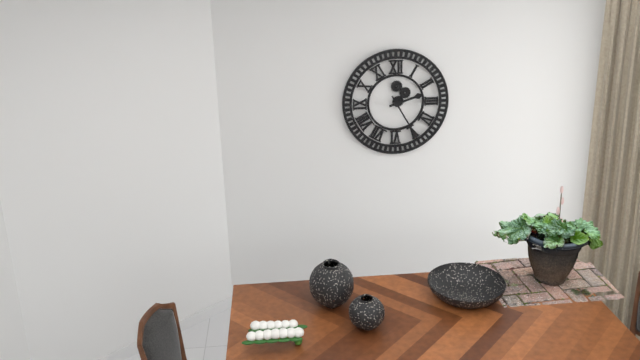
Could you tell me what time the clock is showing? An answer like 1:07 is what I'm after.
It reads 2:25
